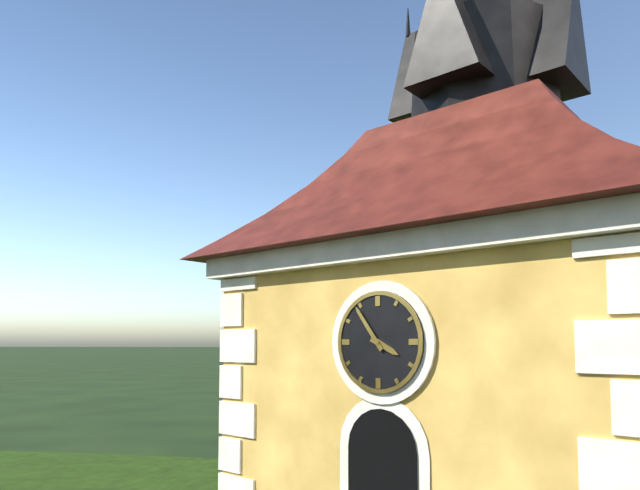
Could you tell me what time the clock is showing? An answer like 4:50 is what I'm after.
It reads 3:54
